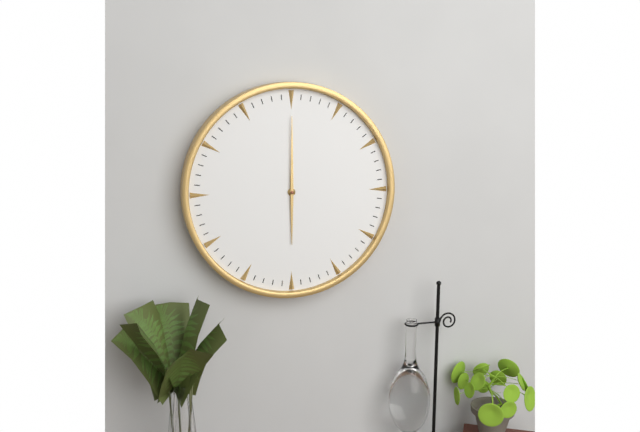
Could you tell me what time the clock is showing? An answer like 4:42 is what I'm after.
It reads 6:00
